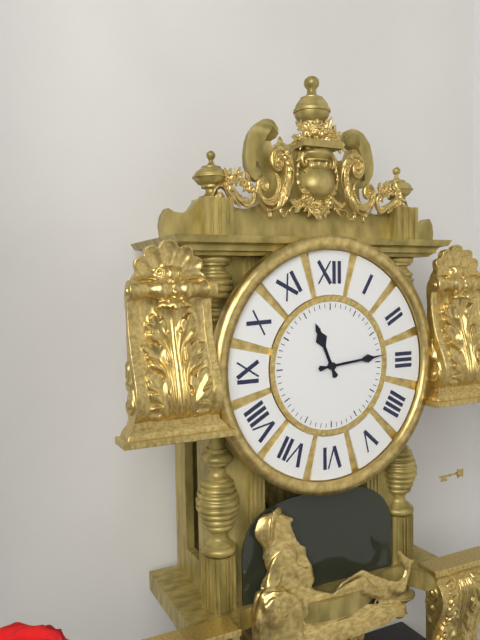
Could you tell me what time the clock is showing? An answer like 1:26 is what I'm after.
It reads 11:14
